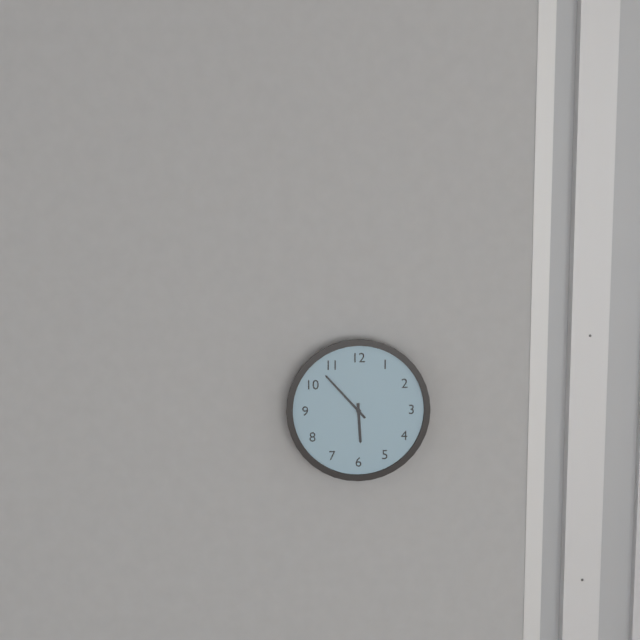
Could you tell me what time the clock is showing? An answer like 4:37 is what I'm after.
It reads 5:53
